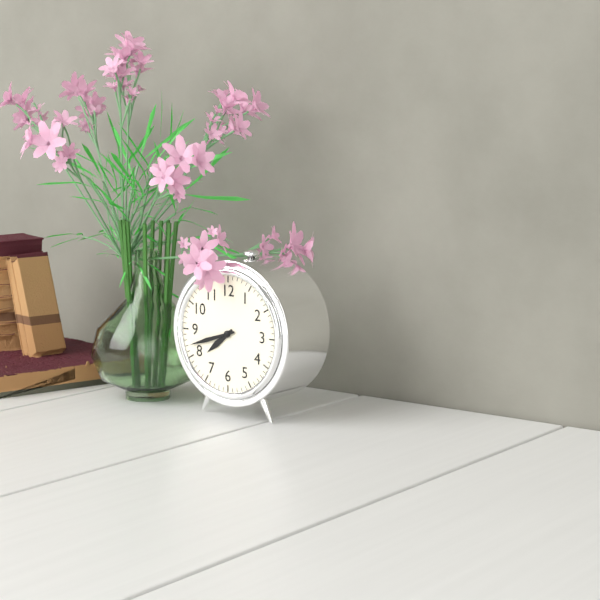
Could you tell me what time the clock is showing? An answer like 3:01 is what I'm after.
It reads 7:42
